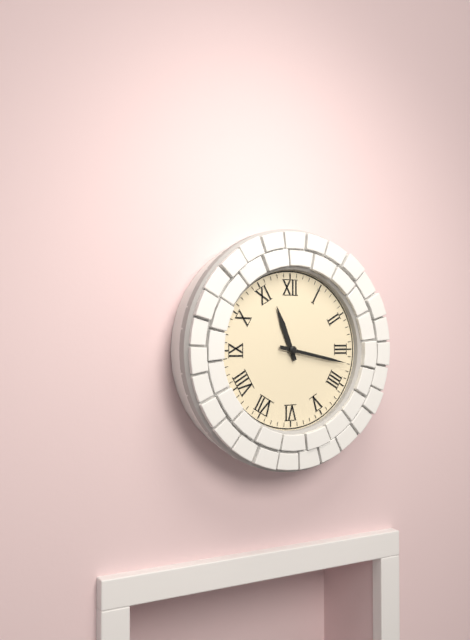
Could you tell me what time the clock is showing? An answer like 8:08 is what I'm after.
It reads 11:17
